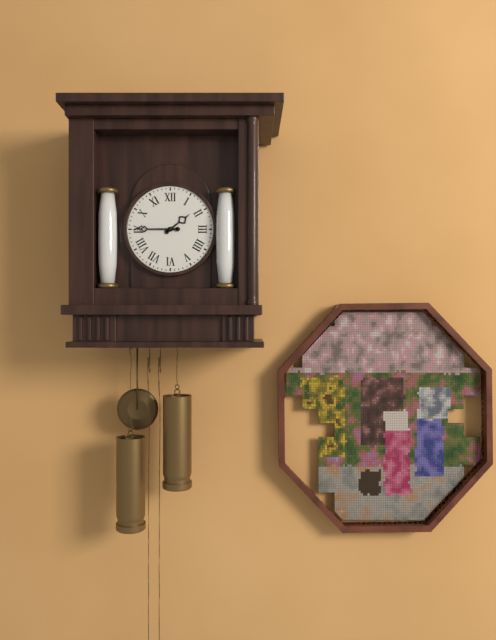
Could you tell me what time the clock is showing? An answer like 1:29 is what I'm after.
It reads 1:45
